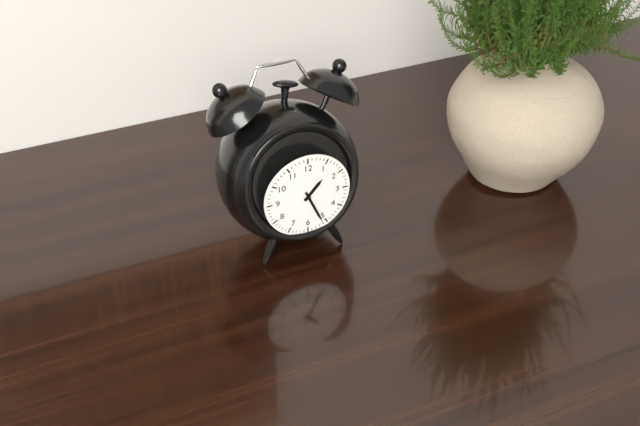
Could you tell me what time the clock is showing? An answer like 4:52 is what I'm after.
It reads 1:26
